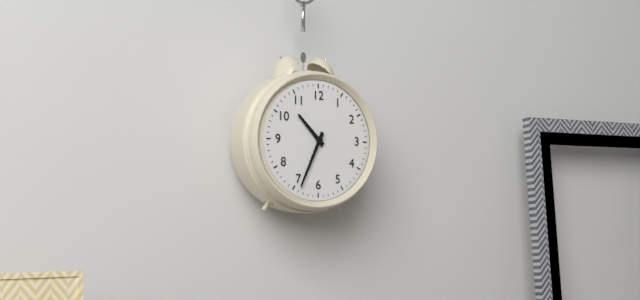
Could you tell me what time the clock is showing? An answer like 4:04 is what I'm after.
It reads 10:34
